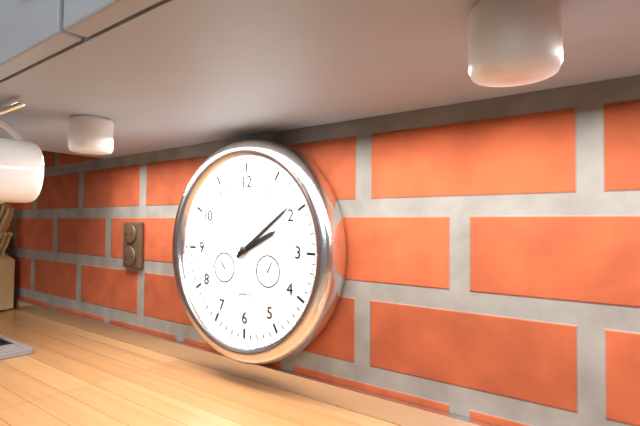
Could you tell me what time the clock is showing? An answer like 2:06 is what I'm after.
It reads 2:09
